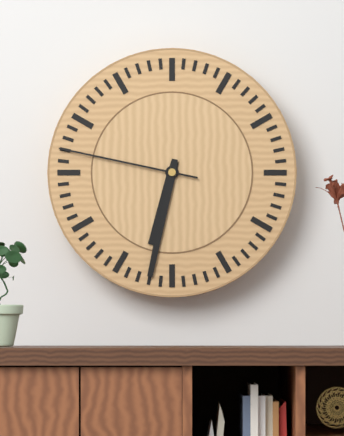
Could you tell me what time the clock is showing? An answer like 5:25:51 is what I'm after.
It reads 6:32:47
